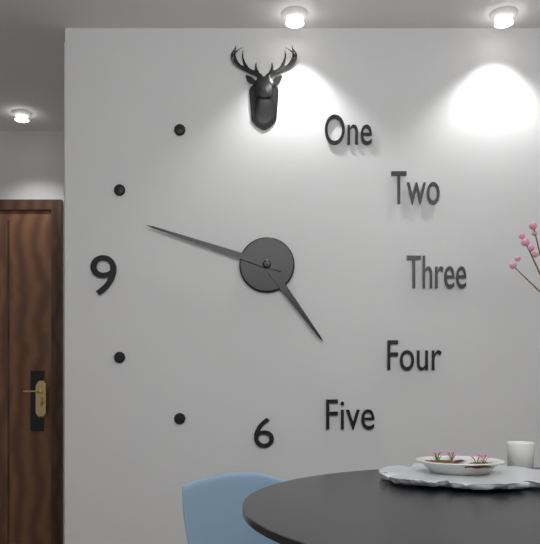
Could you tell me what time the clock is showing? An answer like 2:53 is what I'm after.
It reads 4:48
